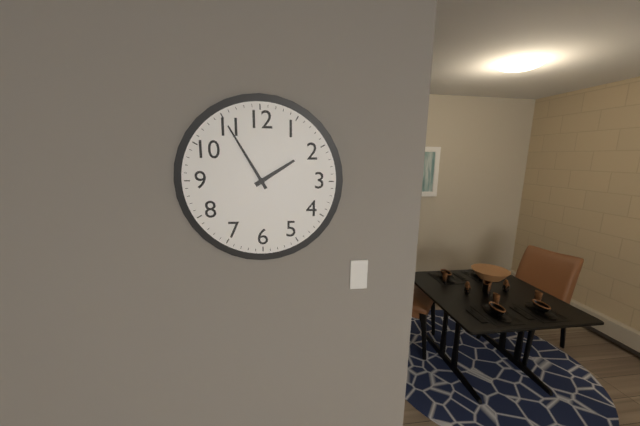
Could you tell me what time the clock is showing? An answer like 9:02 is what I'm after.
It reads 1:55
